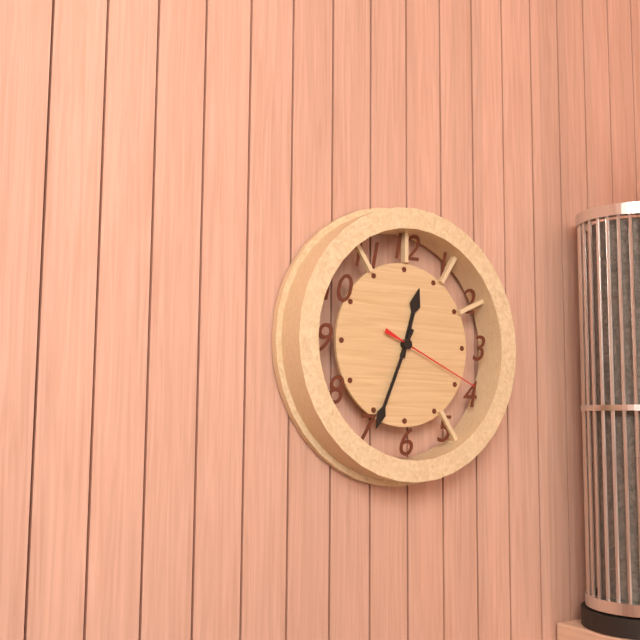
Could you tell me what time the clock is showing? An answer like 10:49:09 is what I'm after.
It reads 12:34:19
